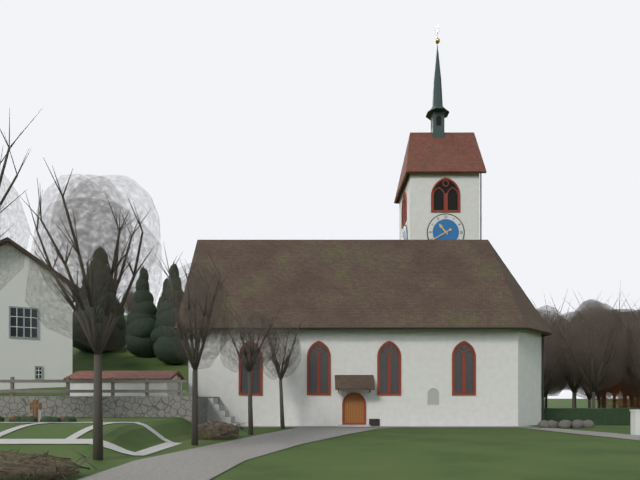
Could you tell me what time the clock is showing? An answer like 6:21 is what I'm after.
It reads 10:40
